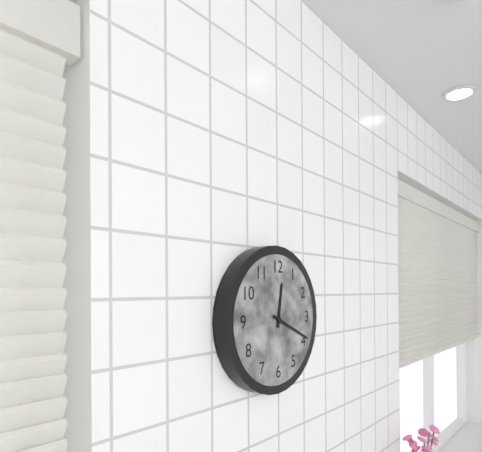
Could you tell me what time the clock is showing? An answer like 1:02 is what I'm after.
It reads 12:19
